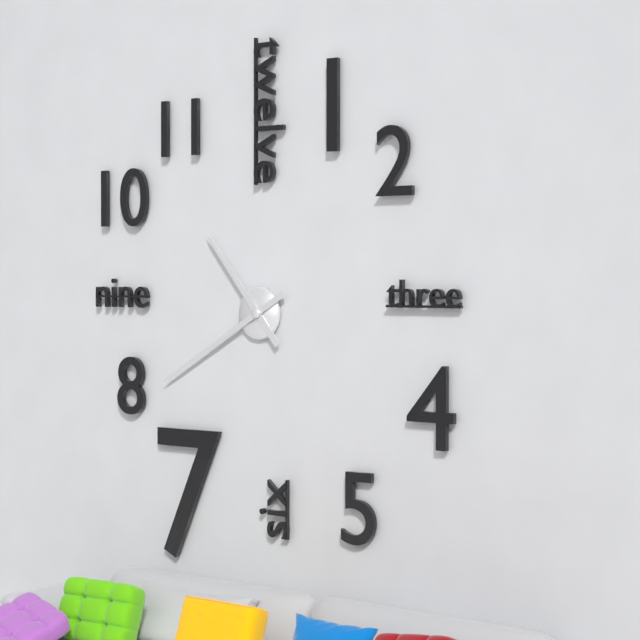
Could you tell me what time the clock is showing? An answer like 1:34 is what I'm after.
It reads 10:40
